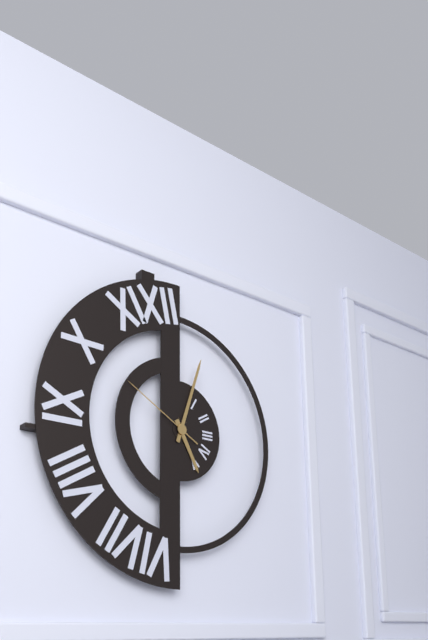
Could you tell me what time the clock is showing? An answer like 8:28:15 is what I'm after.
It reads 5:03:50
